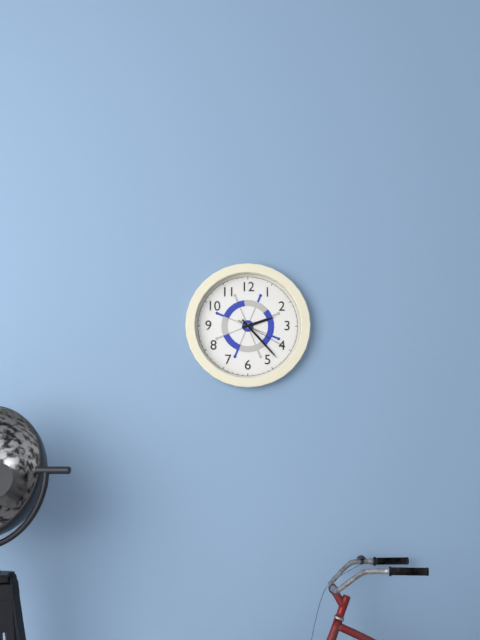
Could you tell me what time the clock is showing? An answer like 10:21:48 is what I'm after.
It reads 2:23:20
